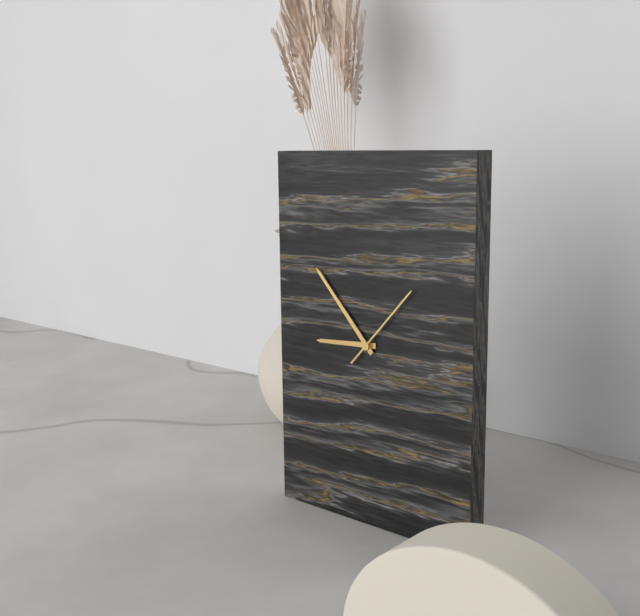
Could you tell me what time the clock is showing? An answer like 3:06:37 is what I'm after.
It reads 8:53:07
